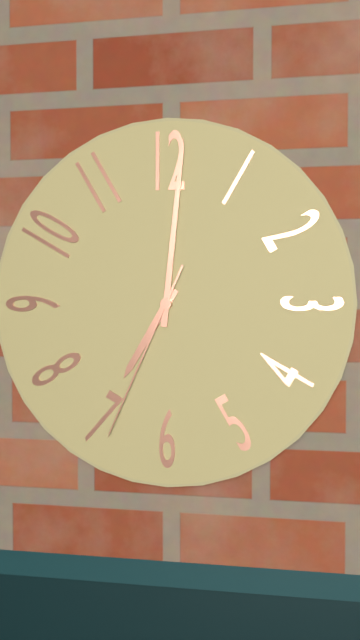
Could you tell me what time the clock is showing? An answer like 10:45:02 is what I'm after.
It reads 7:01:34
